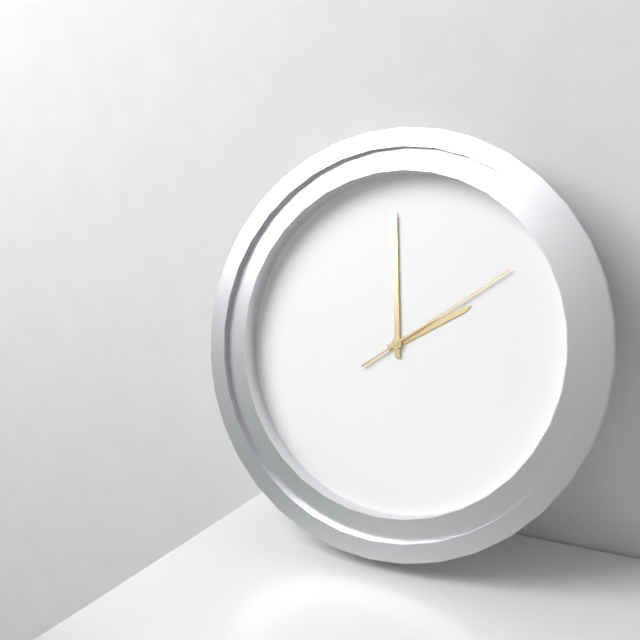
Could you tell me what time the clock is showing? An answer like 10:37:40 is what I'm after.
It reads 1:59:09
